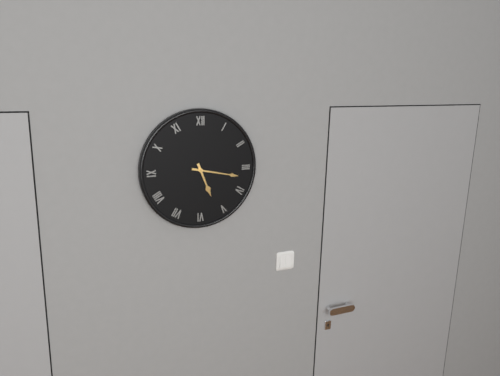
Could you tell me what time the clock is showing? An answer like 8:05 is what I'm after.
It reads 5:17
